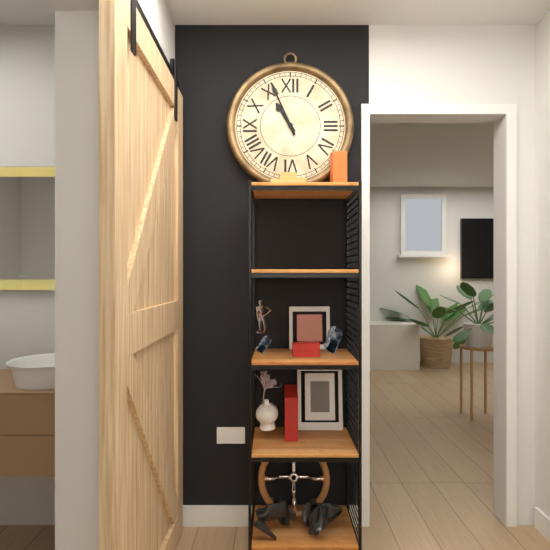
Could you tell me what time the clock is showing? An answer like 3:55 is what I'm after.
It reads 10:56
